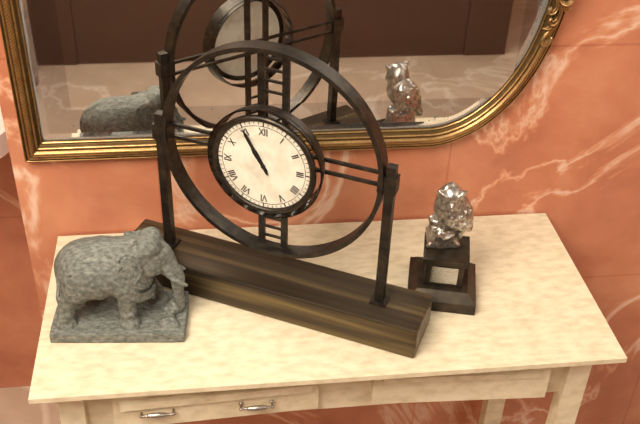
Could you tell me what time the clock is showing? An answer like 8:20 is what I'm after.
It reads 10:55
